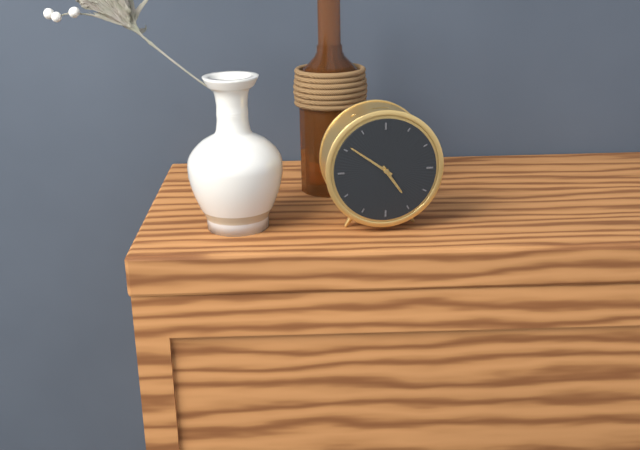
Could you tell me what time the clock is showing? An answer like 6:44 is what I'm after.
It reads 4:51
